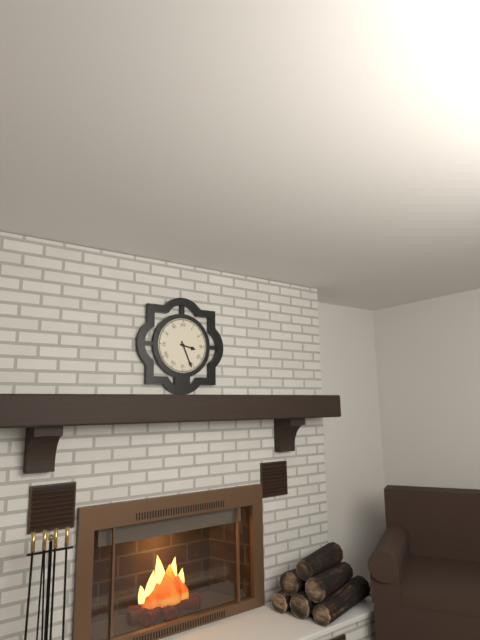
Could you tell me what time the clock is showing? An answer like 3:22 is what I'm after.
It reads 3:26
